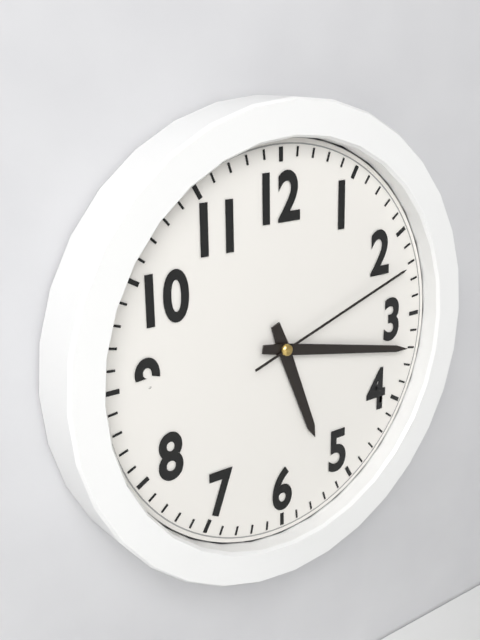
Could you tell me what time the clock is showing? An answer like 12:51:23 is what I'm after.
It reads 5:17:12
